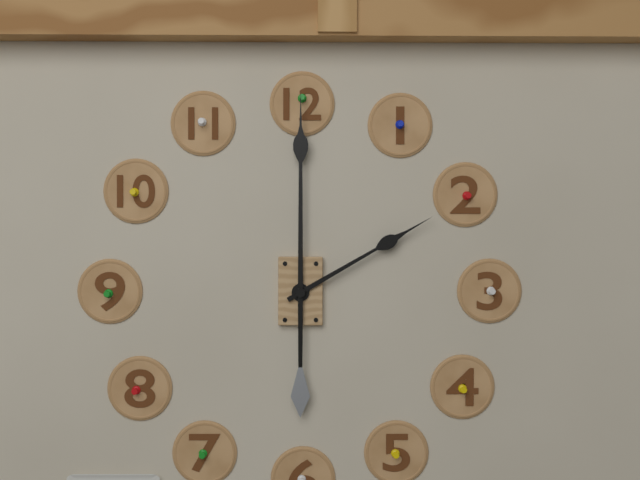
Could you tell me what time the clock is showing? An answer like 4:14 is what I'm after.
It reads 2:00
